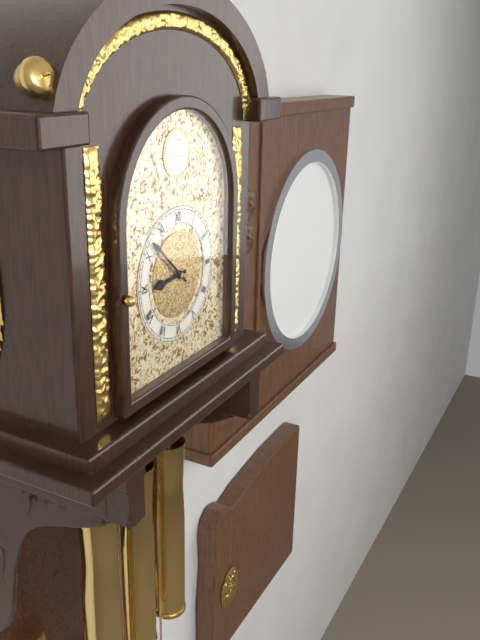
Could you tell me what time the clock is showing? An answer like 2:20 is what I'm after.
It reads 8:52
